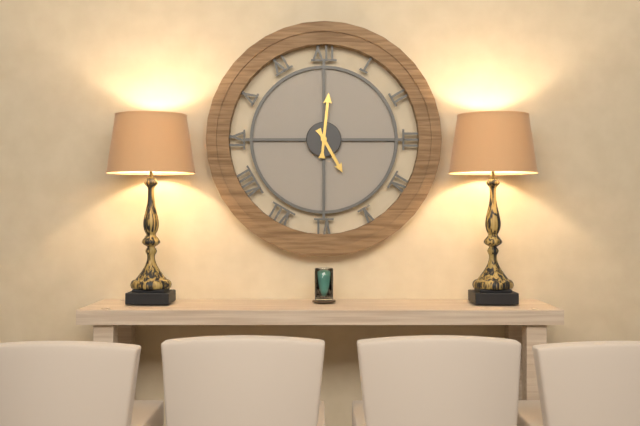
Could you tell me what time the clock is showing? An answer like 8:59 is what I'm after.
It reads 5:01
